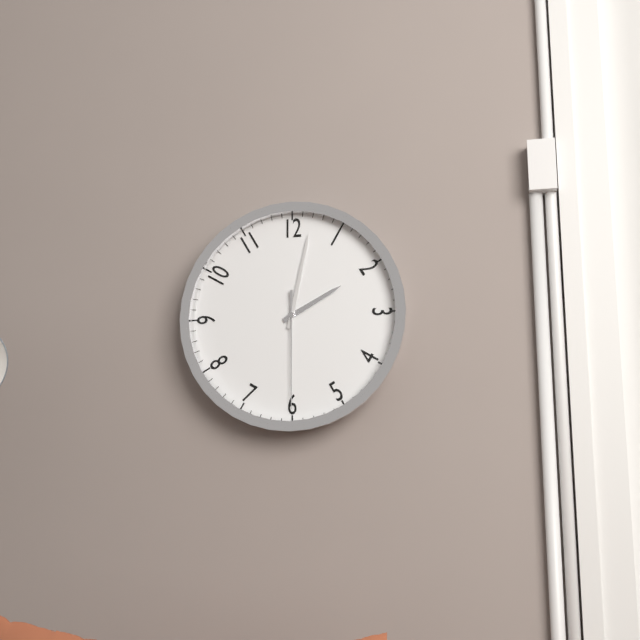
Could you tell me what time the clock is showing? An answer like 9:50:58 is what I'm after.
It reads 2:02:30
